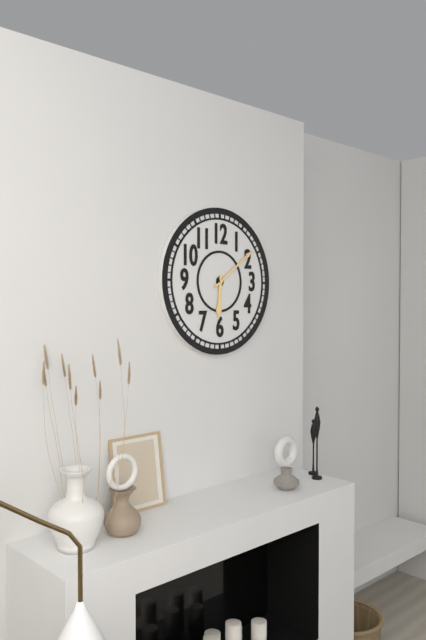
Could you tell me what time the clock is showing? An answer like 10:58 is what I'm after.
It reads 6:09
